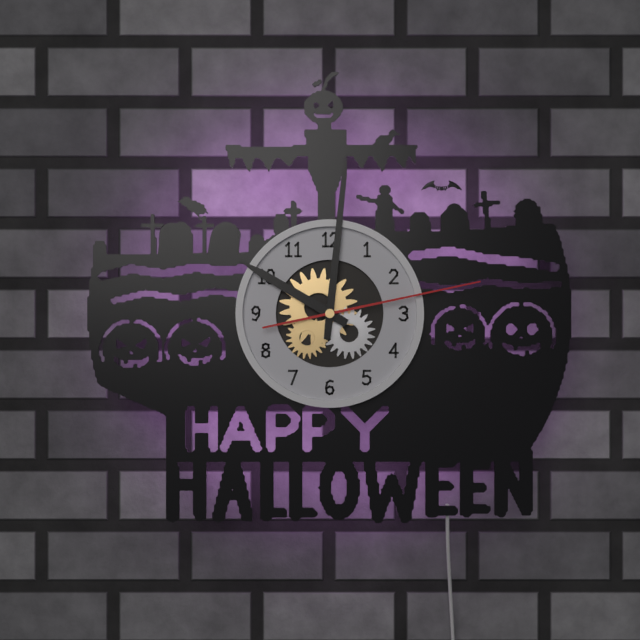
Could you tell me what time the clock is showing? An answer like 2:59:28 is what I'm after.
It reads 10:01:13
